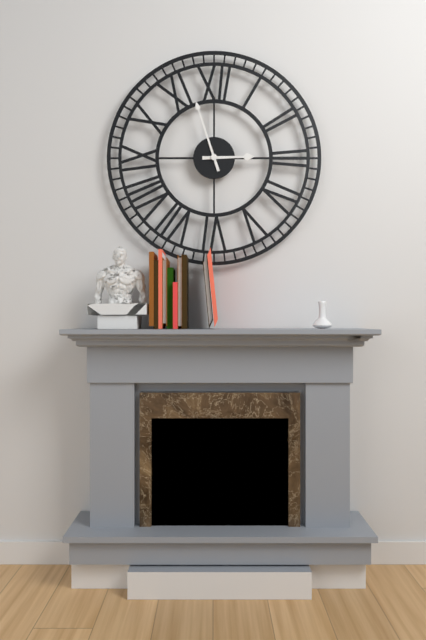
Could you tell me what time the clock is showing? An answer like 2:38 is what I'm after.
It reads 2:57
